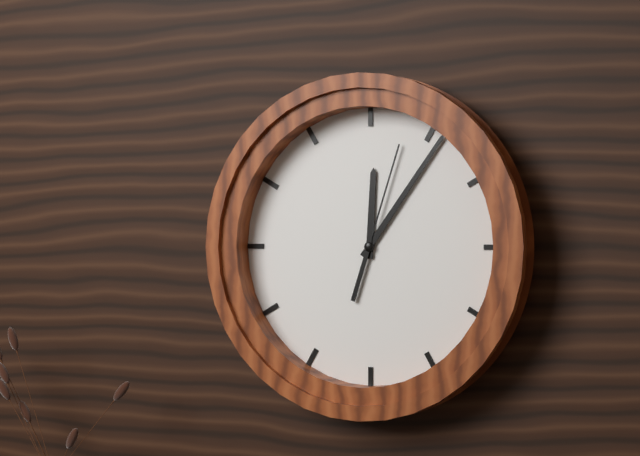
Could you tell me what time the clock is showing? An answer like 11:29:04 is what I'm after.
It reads 12:06:03
